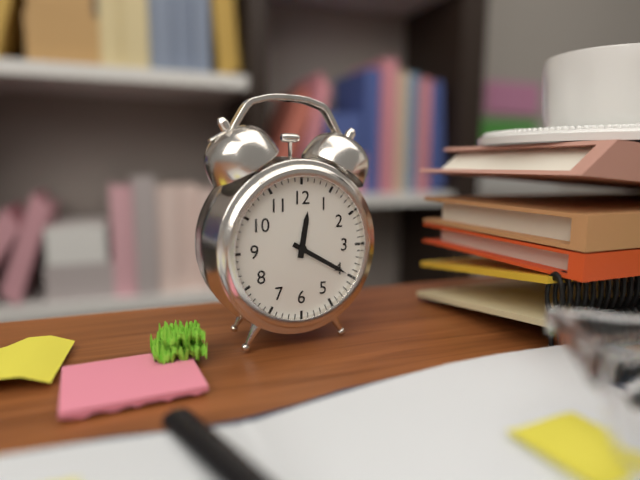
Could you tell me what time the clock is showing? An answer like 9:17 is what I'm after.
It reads 12:20
